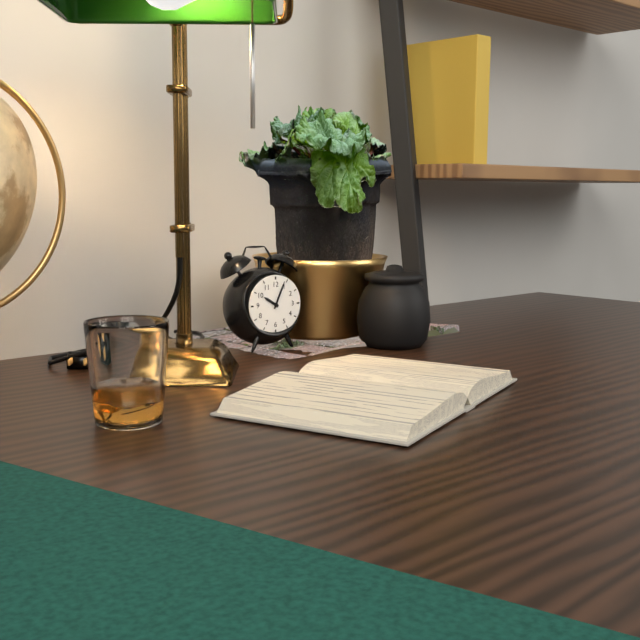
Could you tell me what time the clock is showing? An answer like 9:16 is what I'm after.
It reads 10:04
